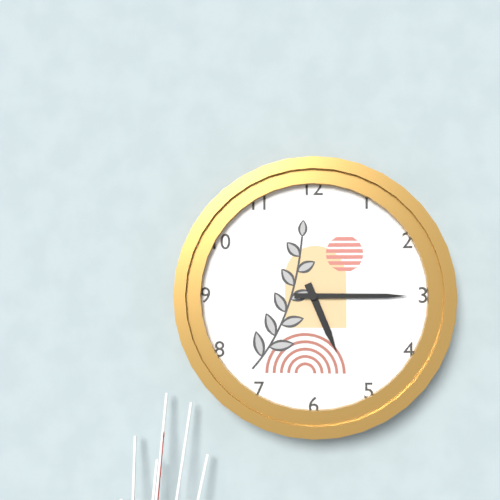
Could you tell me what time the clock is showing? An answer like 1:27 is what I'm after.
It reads 5:15
